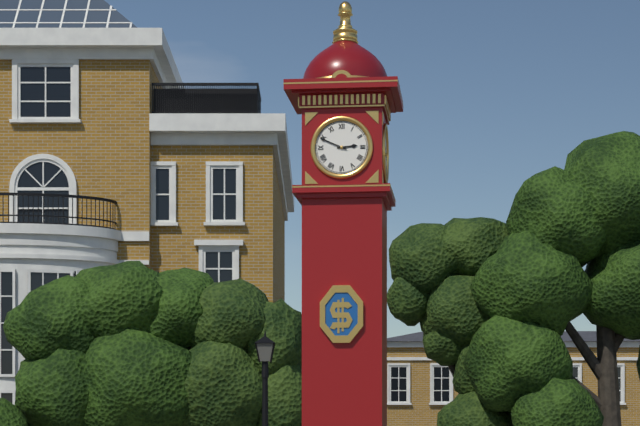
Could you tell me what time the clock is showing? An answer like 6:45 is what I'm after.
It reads 2:49
